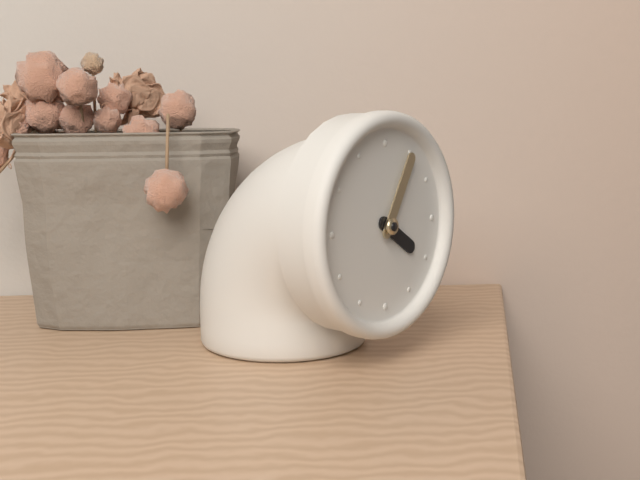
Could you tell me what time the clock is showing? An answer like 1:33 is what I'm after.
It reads 4:05
